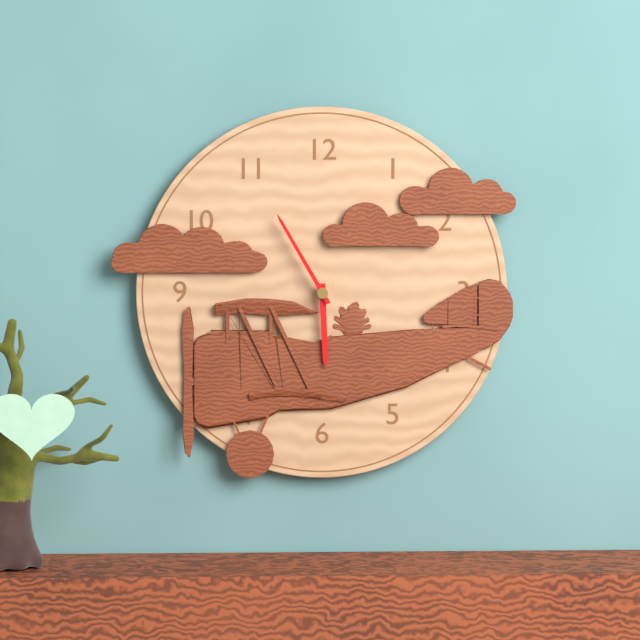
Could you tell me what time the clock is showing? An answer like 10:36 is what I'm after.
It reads 5:55
